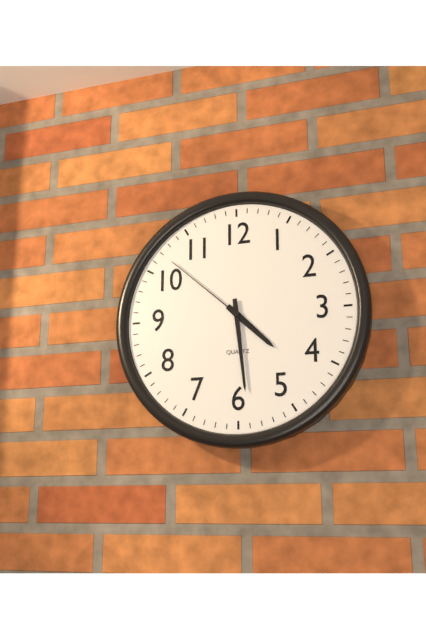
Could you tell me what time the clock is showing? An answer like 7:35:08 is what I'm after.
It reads 4:29:52
